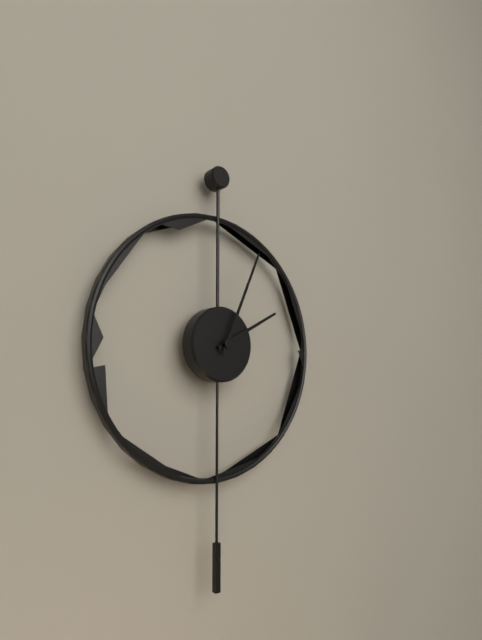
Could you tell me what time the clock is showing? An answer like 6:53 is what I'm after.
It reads 2:04
